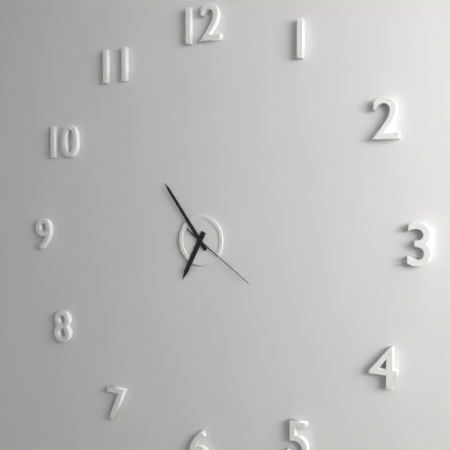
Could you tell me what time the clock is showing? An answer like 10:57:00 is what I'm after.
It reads 6:54:21
